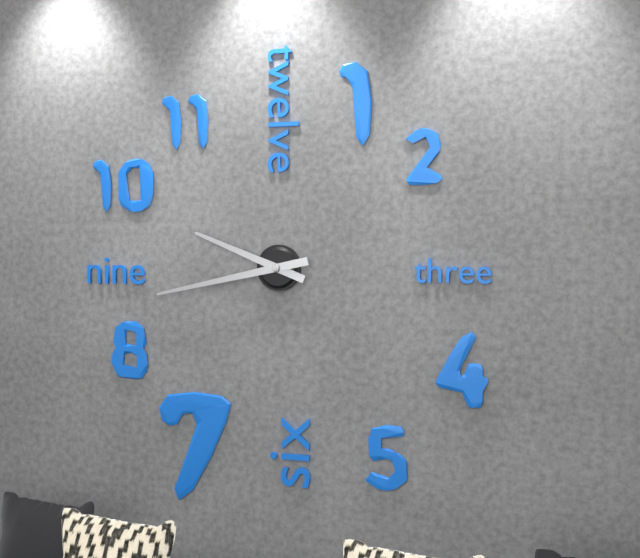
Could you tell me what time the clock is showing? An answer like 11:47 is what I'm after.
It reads 9:43
